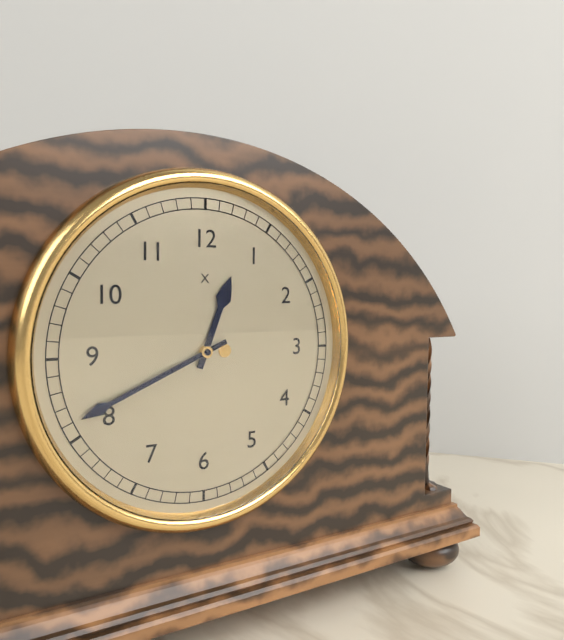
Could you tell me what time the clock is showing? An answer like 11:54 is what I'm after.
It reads 12:41
